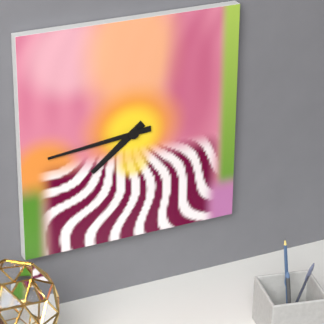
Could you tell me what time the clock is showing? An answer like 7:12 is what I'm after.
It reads 7:44
